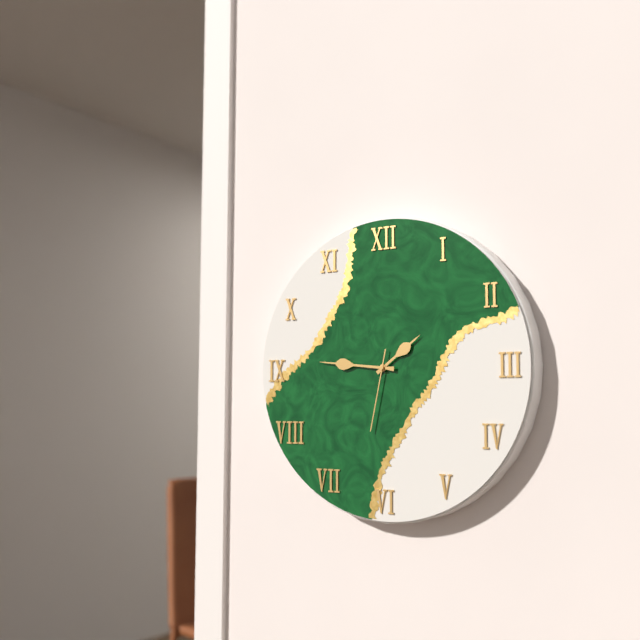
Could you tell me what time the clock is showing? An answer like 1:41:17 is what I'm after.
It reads 1:46:32
